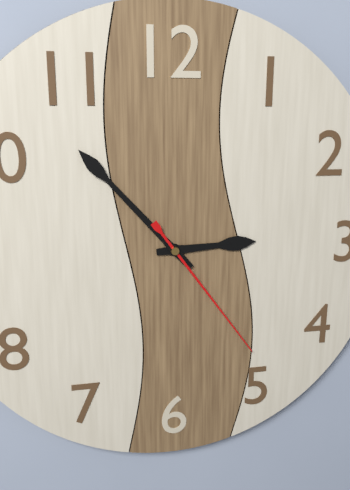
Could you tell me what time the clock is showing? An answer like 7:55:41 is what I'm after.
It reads 2:53:24
